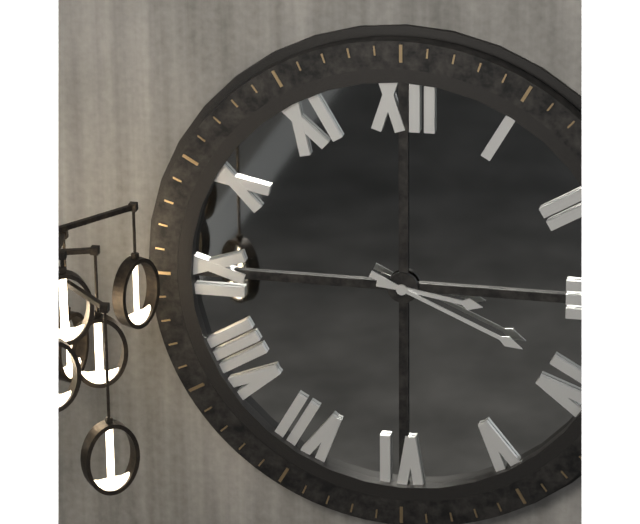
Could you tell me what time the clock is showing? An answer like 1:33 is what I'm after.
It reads 3:19
